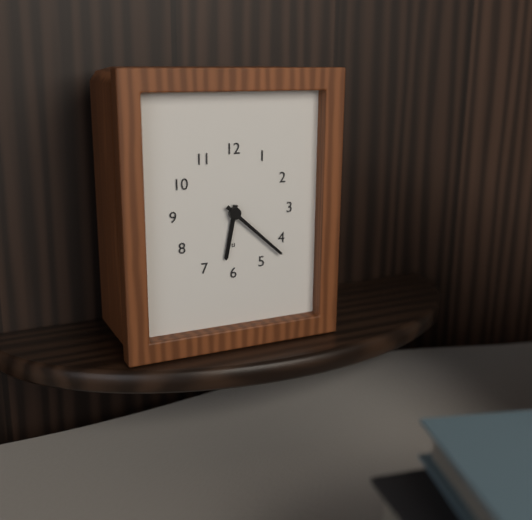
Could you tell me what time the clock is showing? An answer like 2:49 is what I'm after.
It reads 6:22
